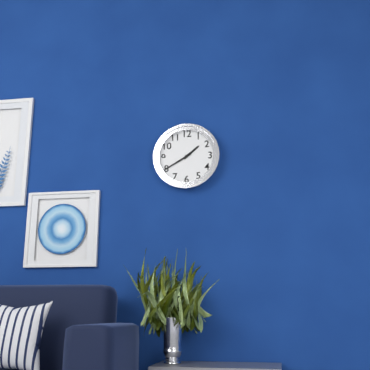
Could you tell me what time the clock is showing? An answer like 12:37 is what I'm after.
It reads 1:40
